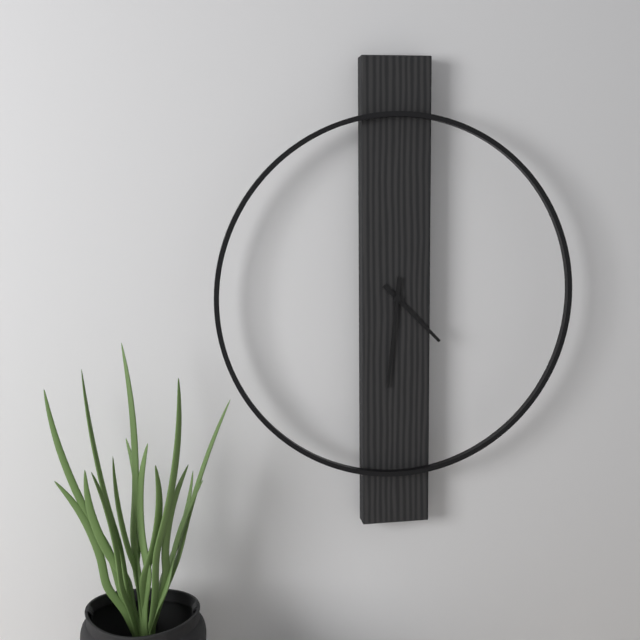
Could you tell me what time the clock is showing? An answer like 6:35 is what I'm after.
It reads 4:31
